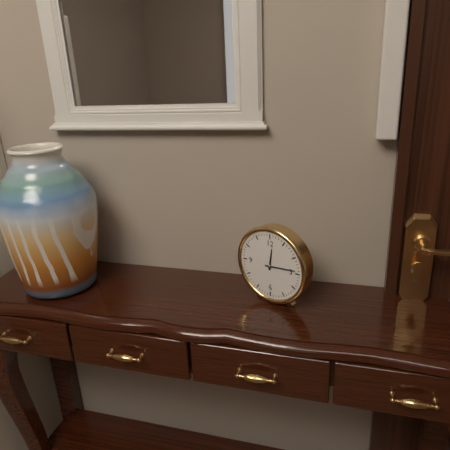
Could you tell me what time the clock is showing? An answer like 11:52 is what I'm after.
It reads 12:14
